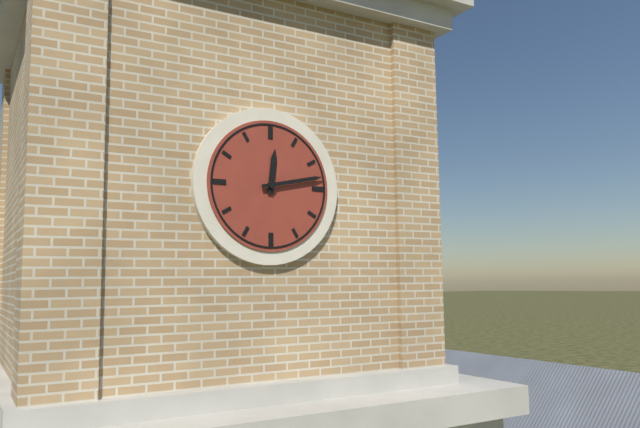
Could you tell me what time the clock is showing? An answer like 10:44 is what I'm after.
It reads 12:13
